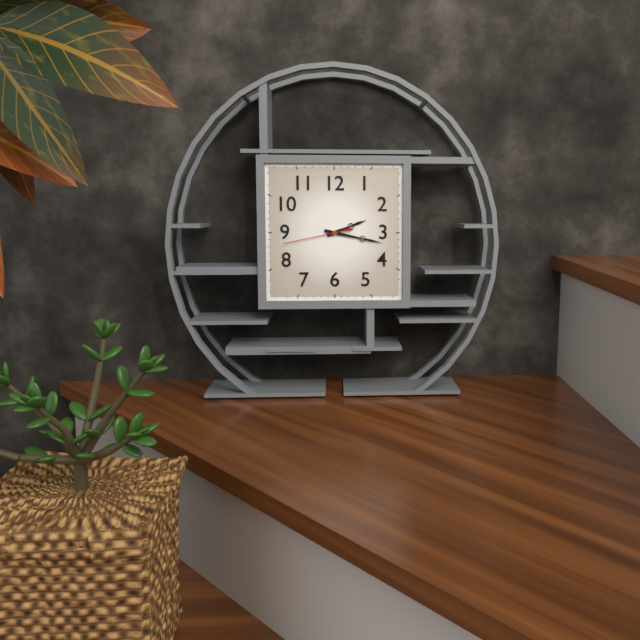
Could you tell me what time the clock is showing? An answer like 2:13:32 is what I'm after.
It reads 2:17:43
